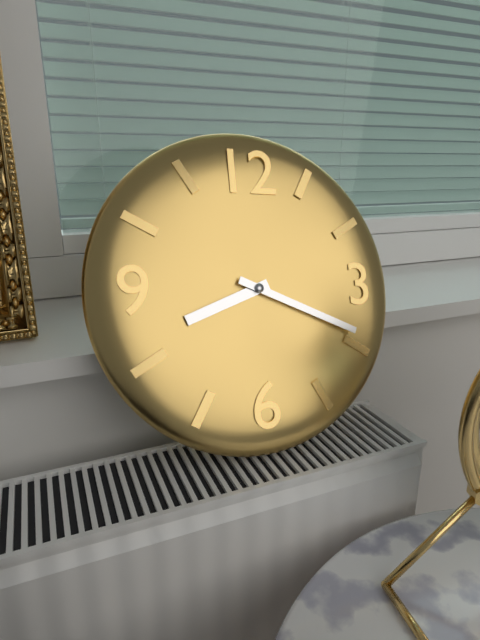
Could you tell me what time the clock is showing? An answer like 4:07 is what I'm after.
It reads 8:19
